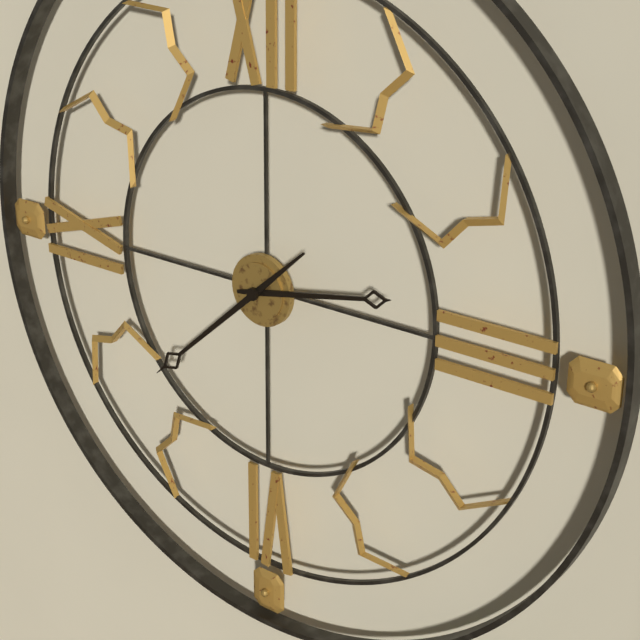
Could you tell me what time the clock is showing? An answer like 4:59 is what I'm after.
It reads 2:38
